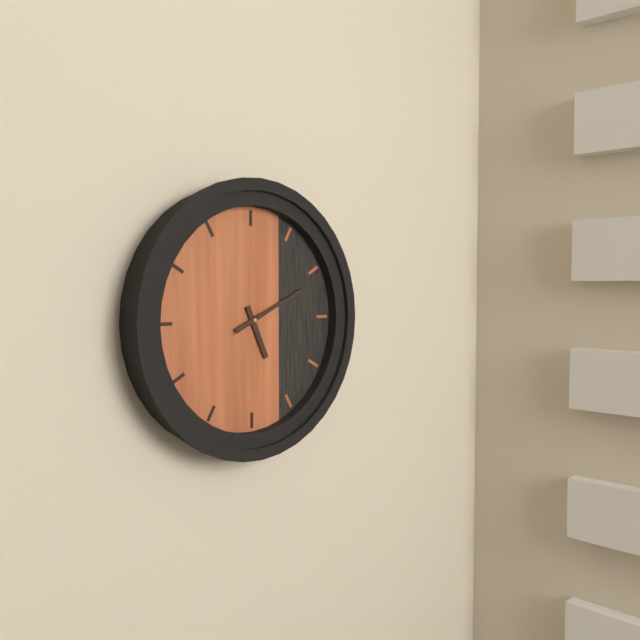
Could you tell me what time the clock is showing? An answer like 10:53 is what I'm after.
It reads 5:11
